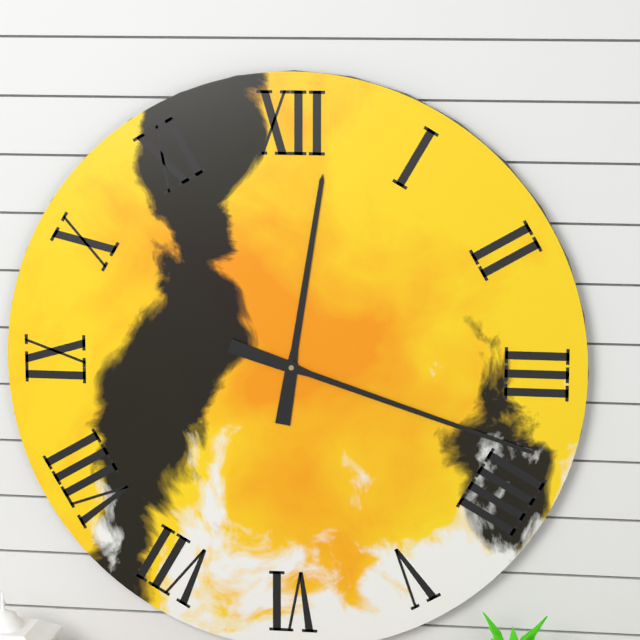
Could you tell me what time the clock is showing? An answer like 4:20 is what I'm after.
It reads 12:18
